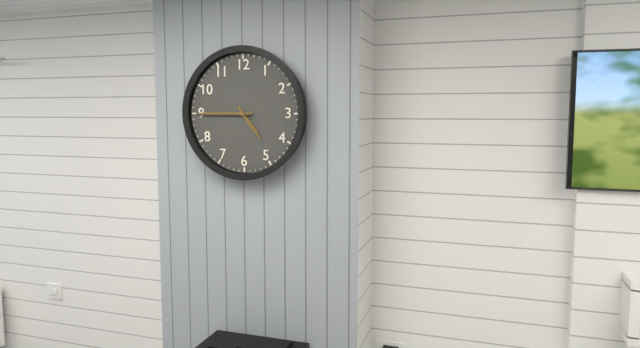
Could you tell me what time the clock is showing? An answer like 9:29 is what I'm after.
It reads 4:45
